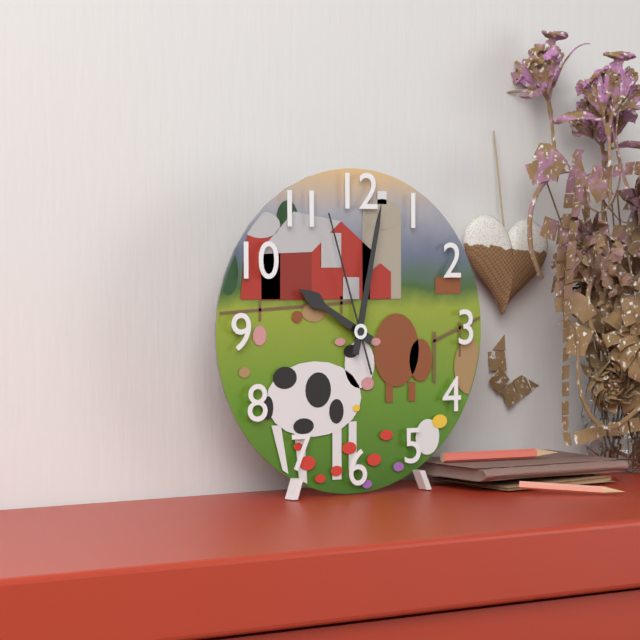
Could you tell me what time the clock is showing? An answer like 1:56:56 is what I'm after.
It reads 10:02:57
